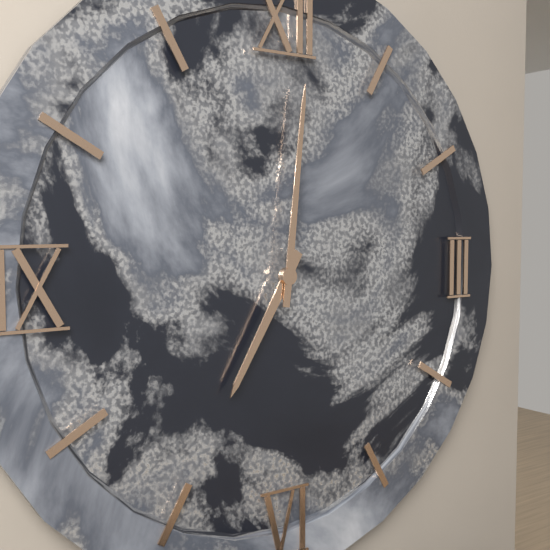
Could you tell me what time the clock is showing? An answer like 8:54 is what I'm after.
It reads 7:01
